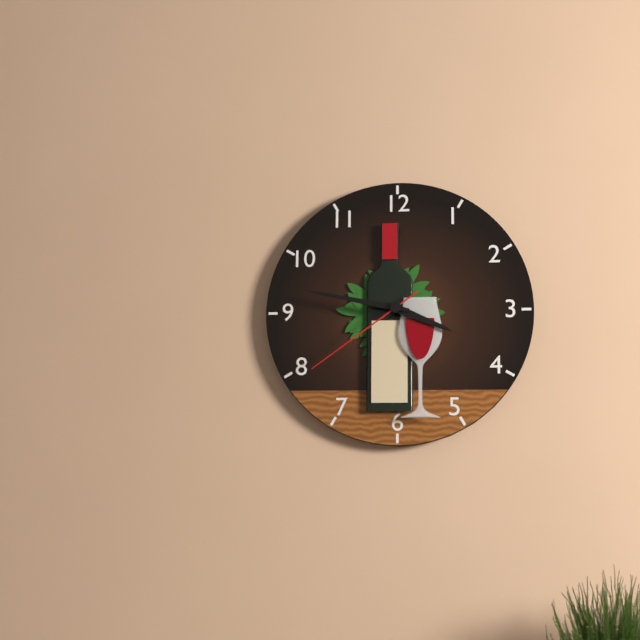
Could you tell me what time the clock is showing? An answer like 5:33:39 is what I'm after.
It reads 3:47:39
